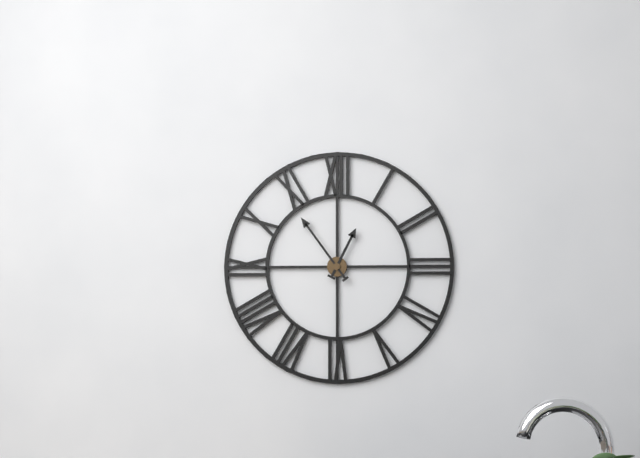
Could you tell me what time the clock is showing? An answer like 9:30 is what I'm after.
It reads 12:54
